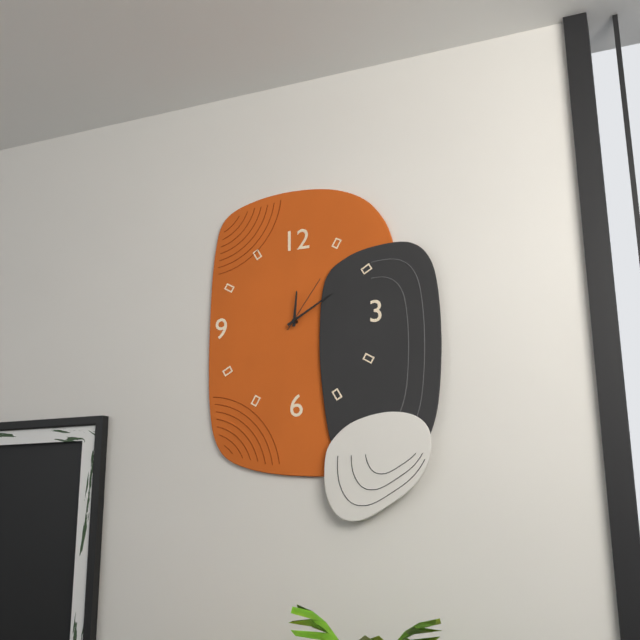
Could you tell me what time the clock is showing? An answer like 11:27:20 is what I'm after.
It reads 12:10:06
